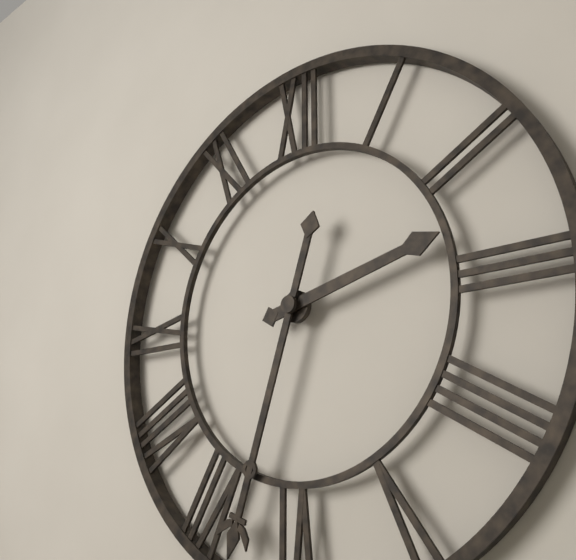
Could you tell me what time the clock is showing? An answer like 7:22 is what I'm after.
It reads 2:33
